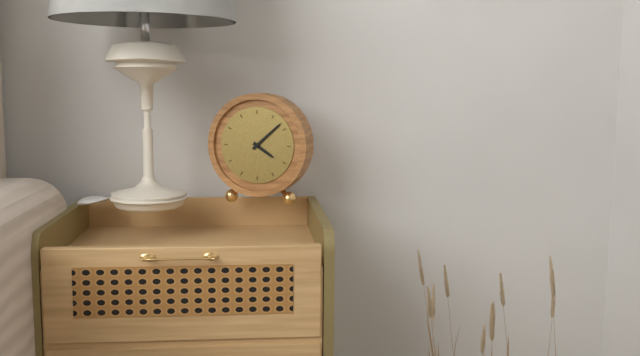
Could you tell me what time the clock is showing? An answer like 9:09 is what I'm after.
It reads 4:08
